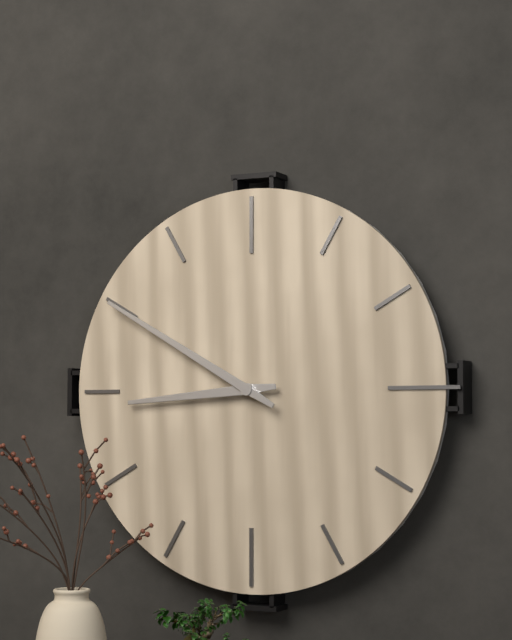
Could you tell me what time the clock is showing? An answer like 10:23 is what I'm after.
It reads 8:50
